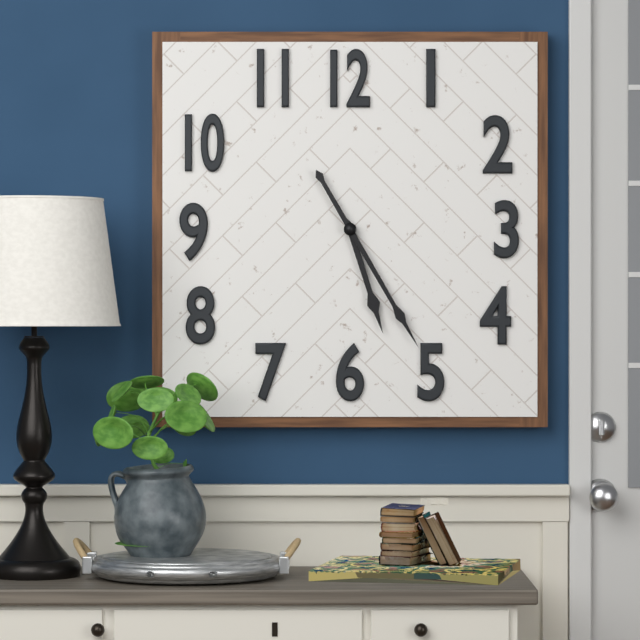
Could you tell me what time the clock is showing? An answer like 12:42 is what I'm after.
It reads 5:25
